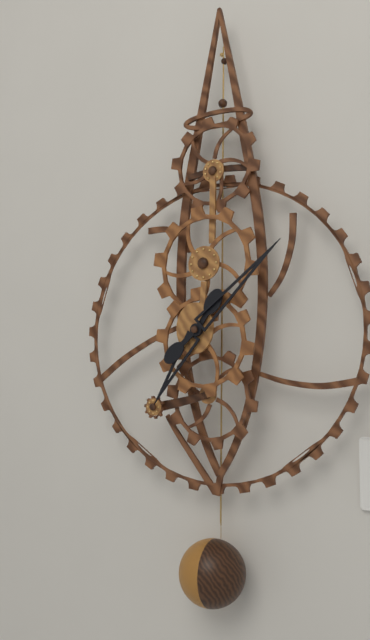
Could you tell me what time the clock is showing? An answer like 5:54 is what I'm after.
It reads 7:08
